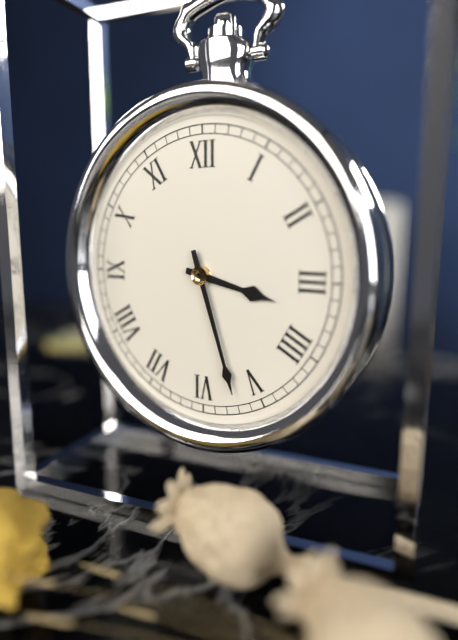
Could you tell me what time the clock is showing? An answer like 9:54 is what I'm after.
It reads 3:27
